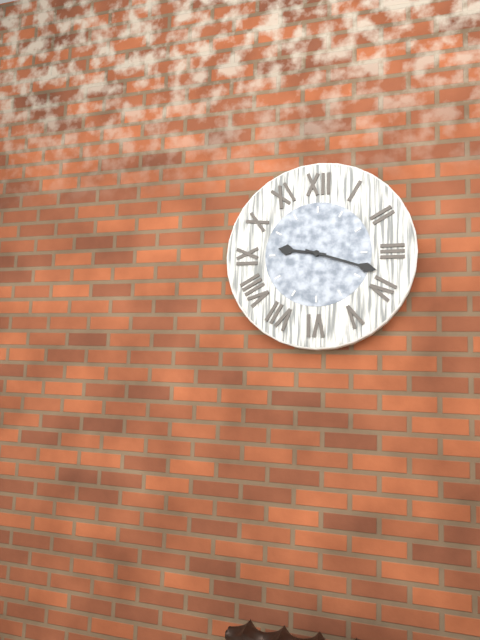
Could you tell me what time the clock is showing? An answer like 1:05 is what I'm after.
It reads 9:18
